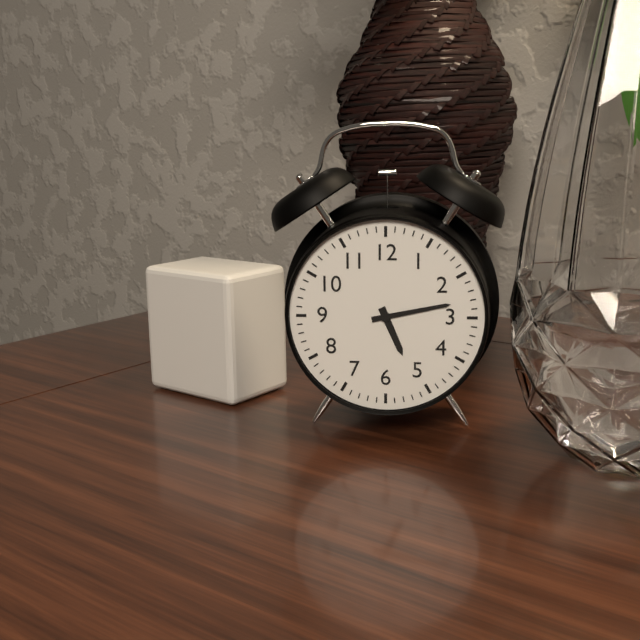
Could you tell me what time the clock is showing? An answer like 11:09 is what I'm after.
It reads 5:13
